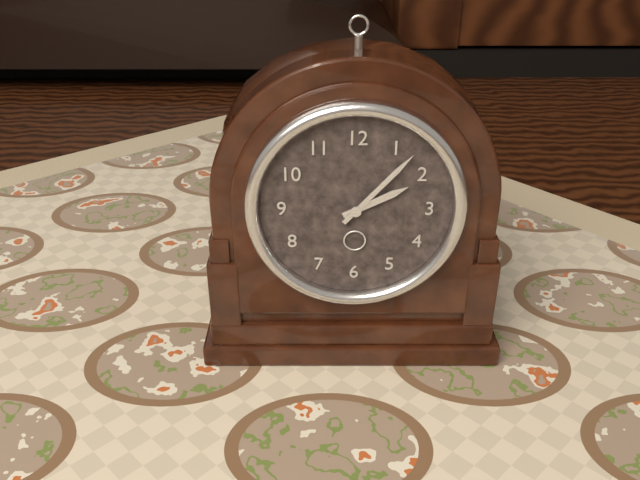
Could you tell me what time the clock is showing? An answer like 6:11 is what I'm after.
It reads 2:07
